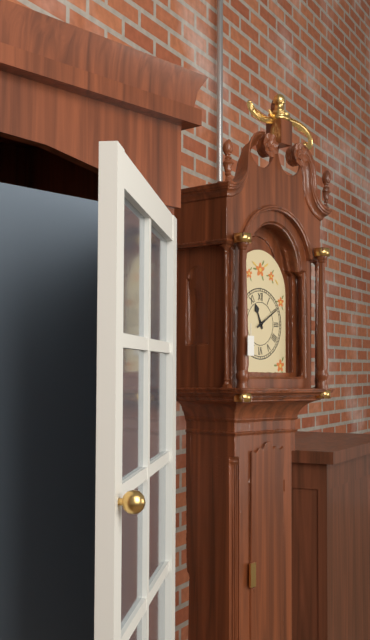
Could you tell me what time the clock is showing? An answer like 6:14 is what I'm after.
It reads 11:10
